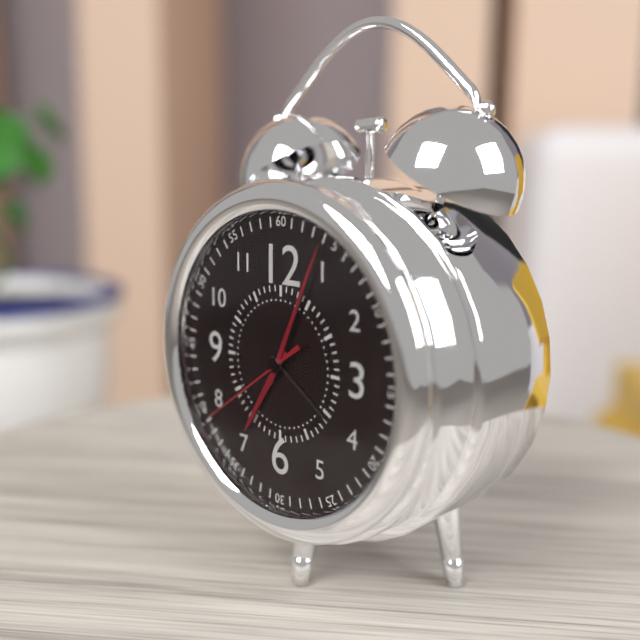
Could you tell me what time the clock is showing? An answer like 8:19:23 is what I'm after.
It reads 7:04:39
